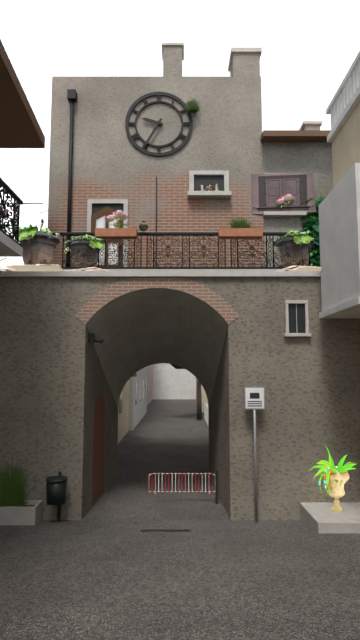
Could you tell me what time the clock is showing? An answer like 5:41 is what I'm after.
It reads 9:35
